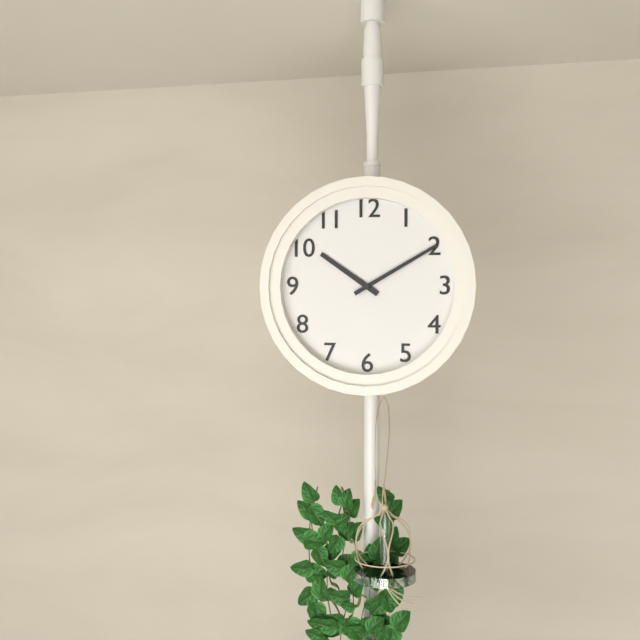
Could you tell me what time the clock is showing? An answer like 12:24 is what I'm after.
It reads 10:10
